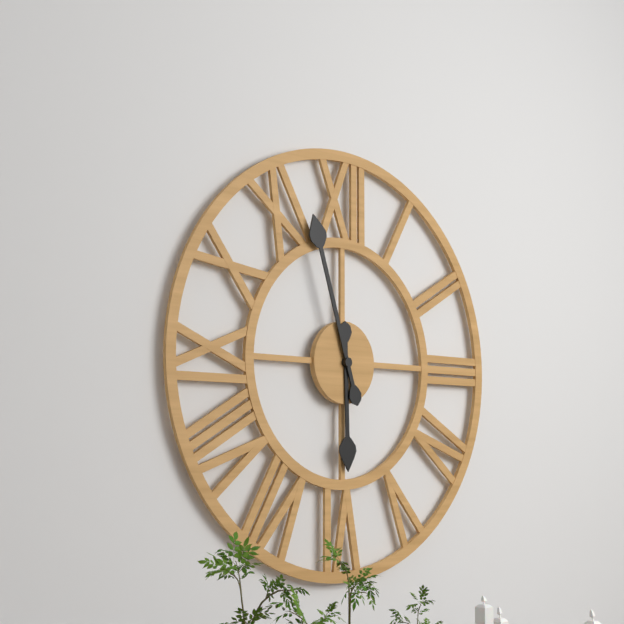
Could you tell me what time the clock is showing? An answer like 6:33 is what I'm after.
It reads 5:57
